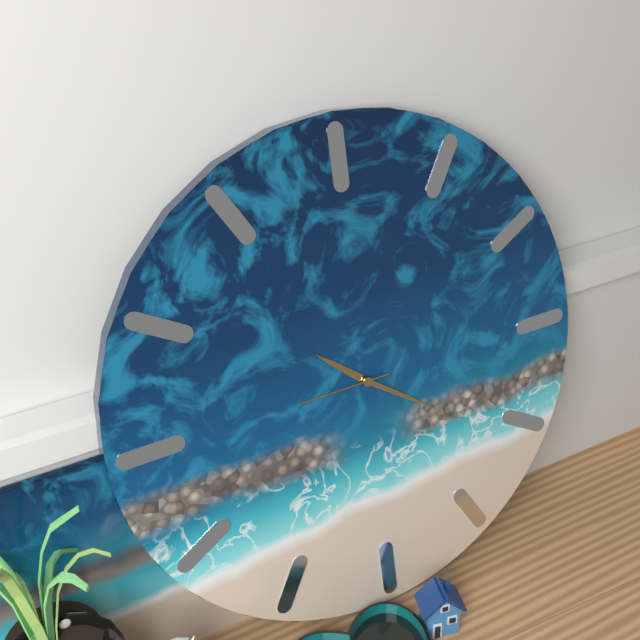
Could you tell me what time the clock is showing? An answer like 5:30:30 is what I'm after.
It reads 10:21:45
